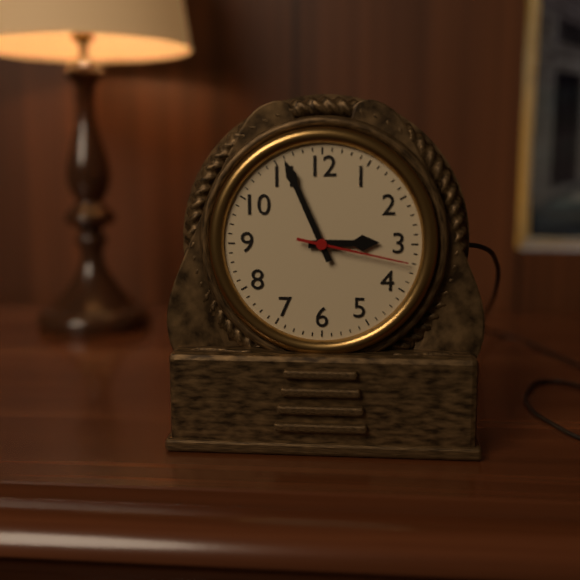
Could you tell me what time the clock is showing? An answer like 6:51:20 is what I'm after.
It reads 2:56:17
